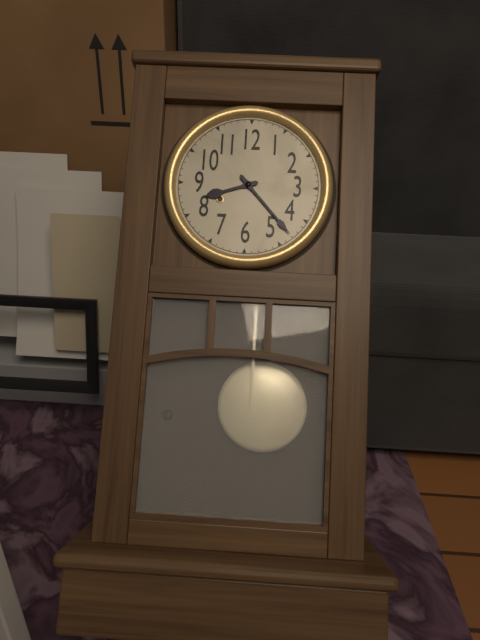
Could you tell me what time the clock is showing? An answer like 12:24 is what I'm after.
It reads 8:23
